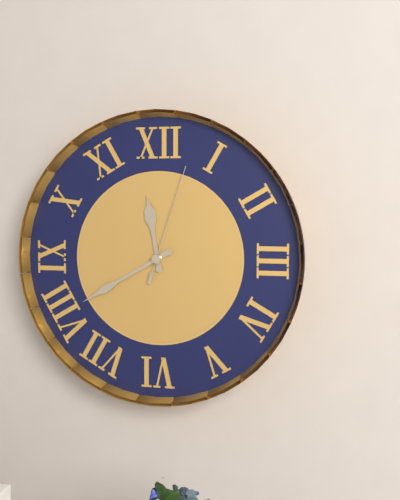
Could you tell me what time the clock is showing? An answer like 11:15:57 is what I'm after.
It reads 11:40:03
